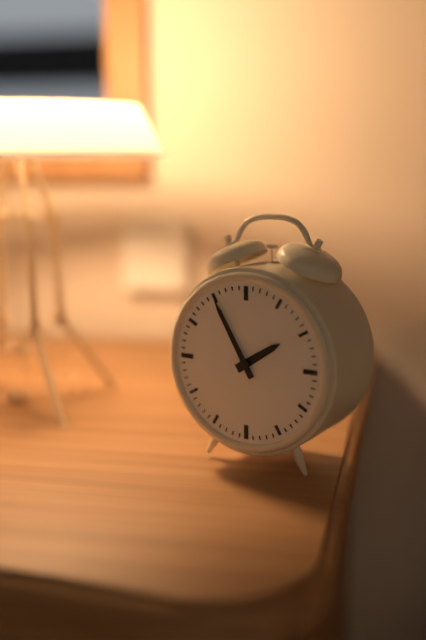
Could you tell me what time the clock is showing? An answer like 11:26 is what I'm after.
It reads 1:55
